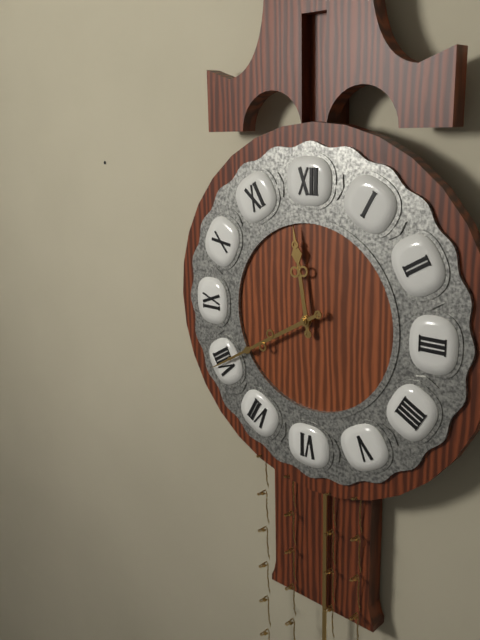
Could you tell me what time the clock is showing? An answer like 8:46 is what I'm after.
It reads 11:40
